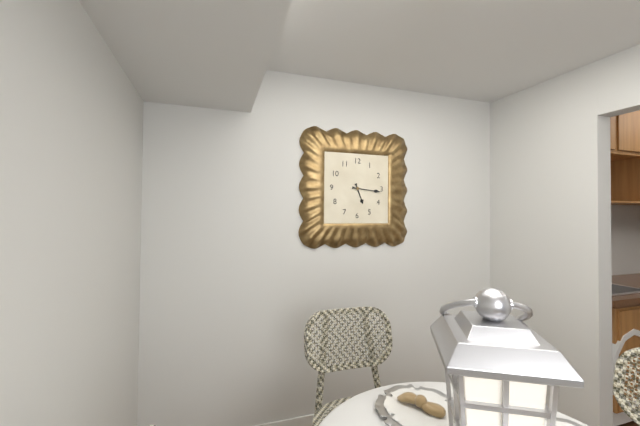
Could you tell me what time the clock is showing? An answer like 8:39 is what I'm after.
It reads 5:16
